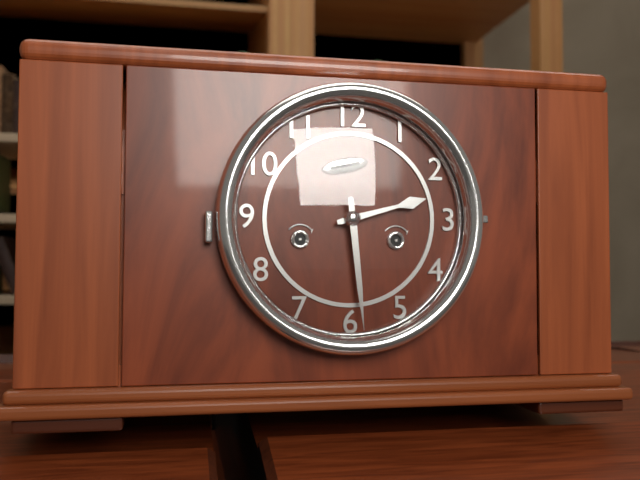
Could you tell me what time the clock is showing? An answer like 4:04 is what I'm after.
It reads 2:29
